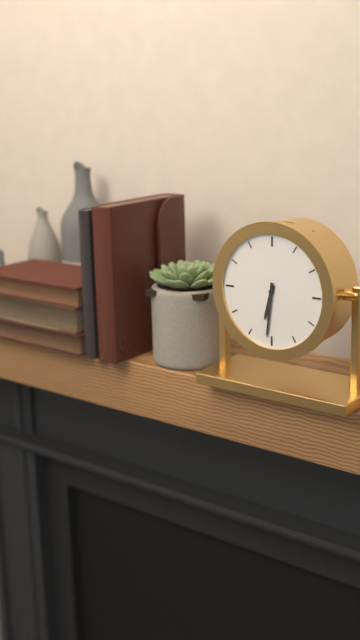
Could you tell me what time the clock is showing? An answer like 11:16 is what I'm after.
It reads 6:31
